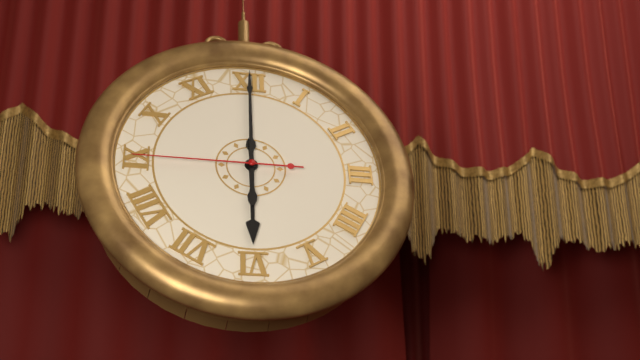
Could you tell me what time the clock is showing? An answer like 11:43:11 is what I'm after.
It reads 6:00:45
